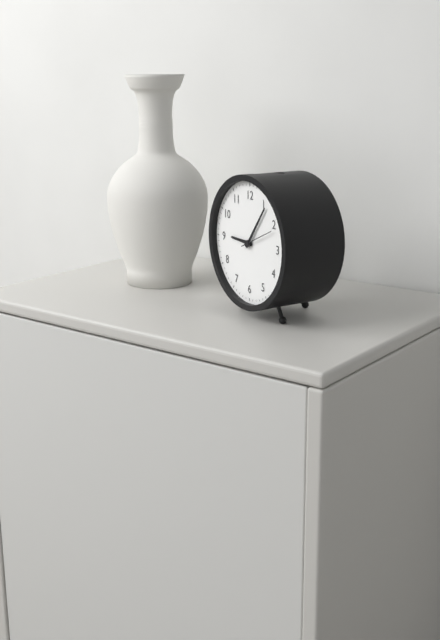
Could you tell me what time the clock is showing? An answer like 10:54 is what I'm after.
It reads 9:06
